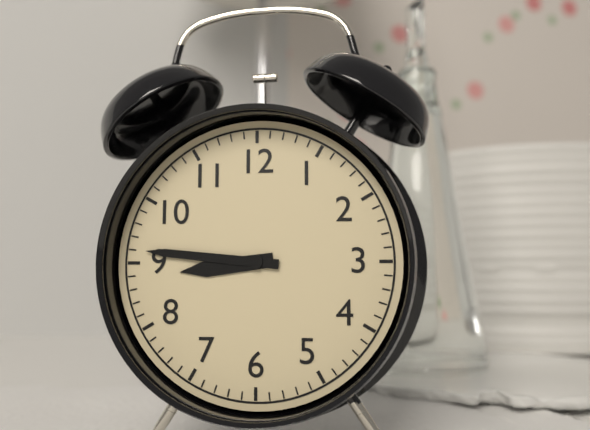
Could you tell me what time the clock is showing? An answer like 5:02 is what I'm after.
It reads 8:46
